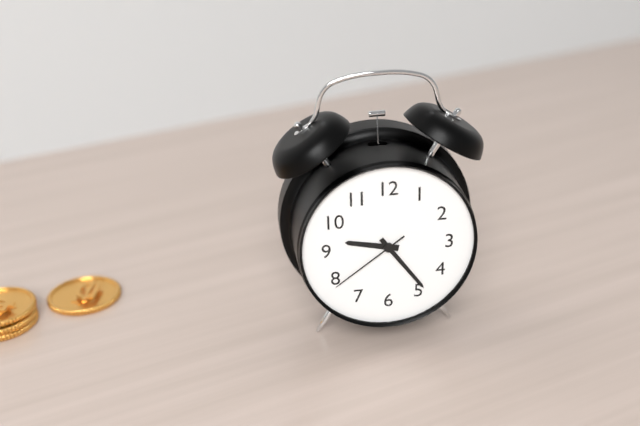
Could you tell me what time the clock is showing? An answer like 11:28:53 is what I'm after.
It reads 9:24:39
